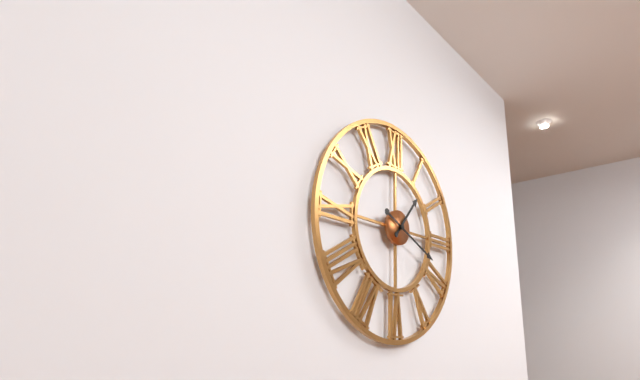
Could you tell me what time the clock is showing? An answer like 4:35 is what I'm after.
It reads 1:19
